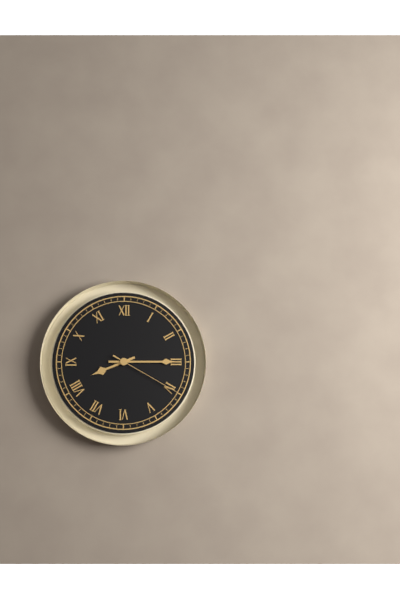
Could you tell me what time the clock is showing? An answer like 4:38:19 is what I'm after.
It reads 8:15:20
